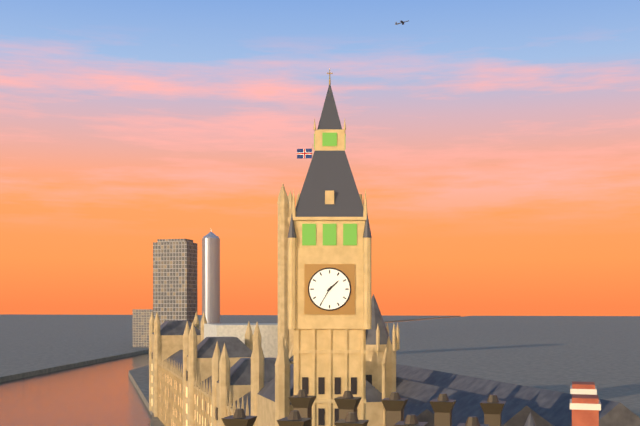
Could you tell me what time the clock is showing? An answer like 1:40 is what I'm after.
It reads 1:35
